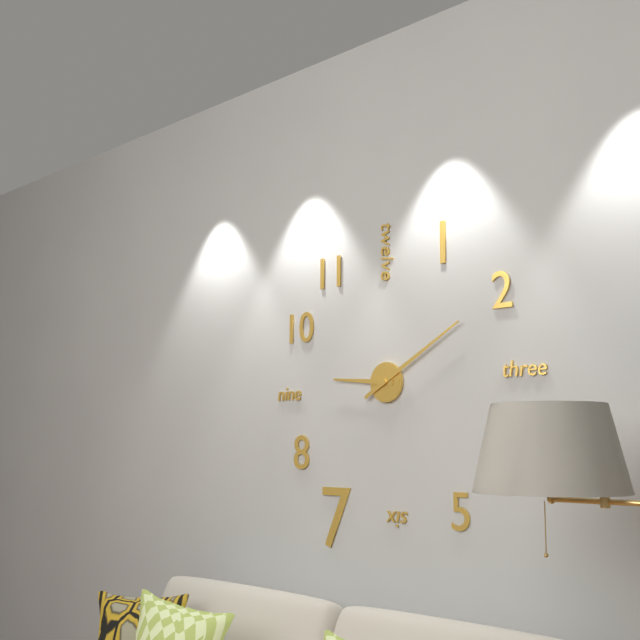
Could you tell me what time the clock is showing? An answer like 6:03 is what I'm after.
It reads 9:10
